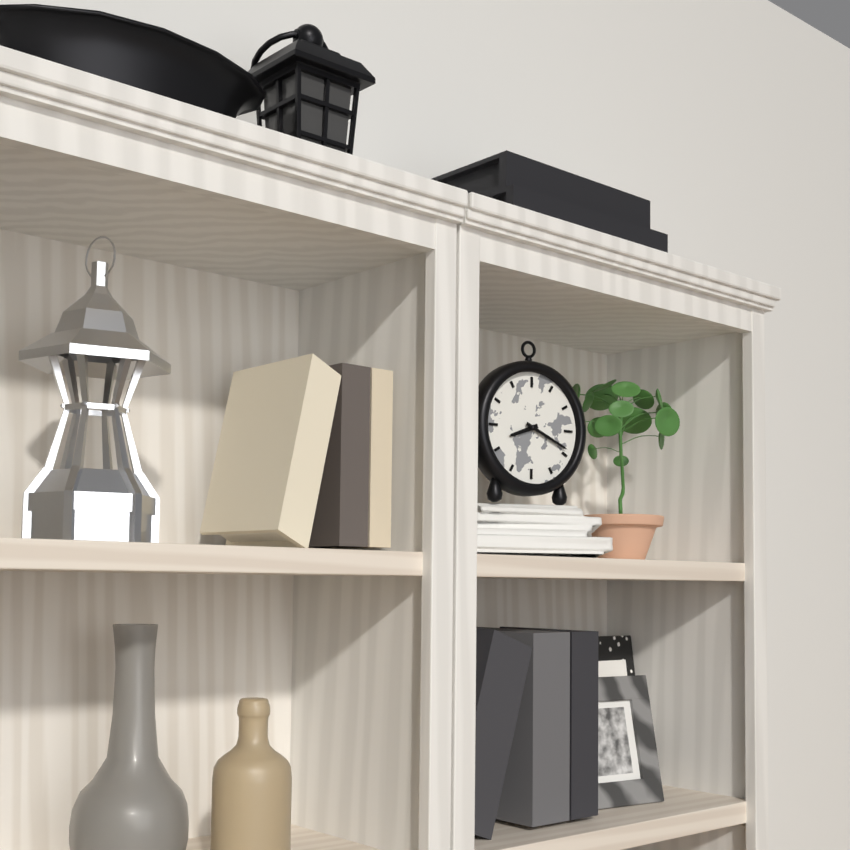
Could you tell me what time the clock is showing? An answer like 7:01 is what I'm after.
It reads 8:19
